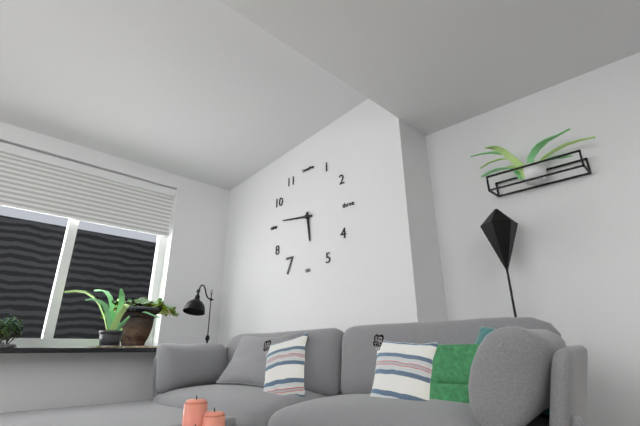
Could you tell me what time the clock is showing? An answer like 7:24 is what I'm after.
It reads 5:46
